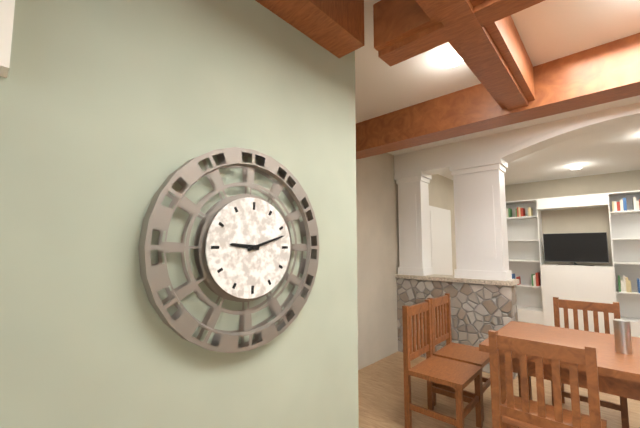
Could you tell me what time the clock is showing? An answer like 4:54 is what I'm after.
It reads 9:12
